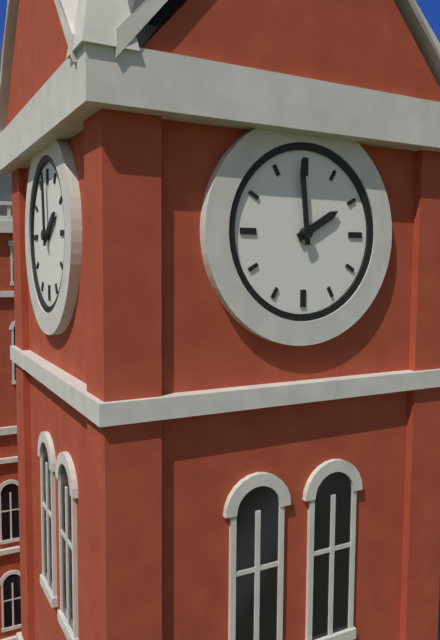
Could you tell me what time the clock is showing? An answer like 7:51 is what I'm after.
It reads 1:59
